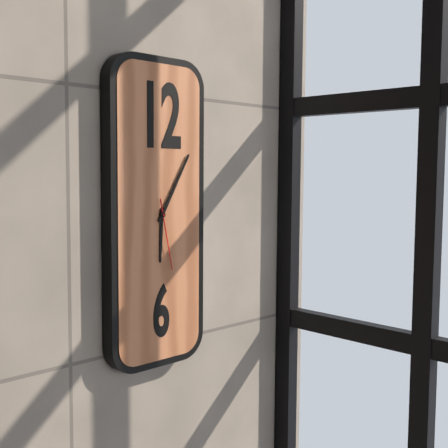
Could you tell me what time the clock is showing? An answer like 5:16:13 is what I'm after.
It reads 6:05:28
